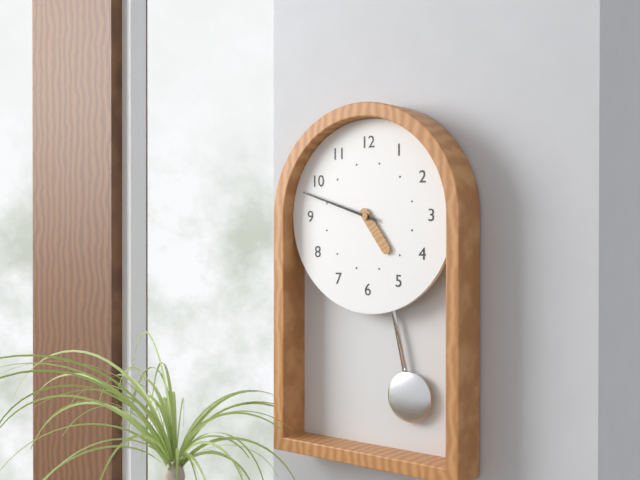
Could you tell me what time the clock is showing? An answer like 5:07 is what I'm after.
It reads 4:48
